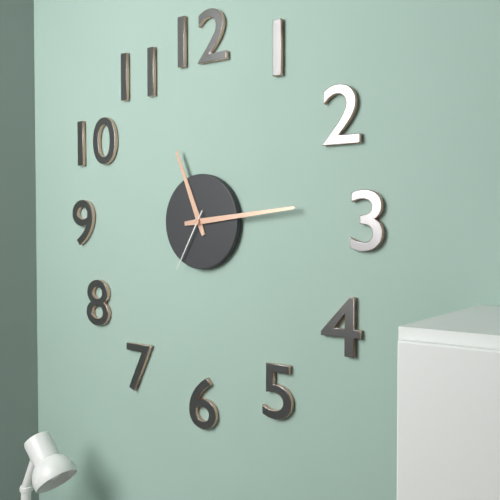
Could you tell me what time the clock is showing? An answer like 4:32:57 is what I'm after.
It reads 11:14:35
